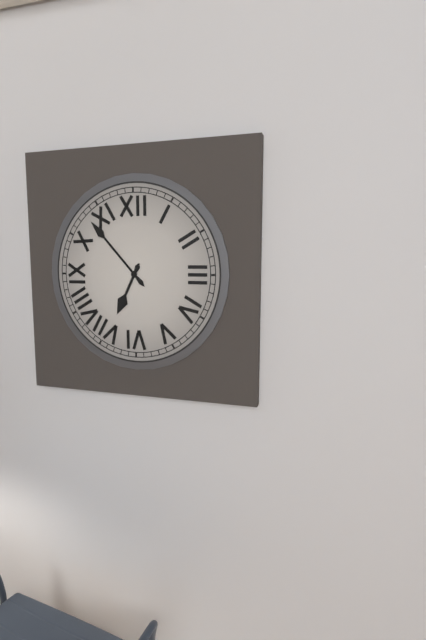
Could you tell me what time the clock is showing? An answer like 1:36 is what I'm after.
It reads 6:53
